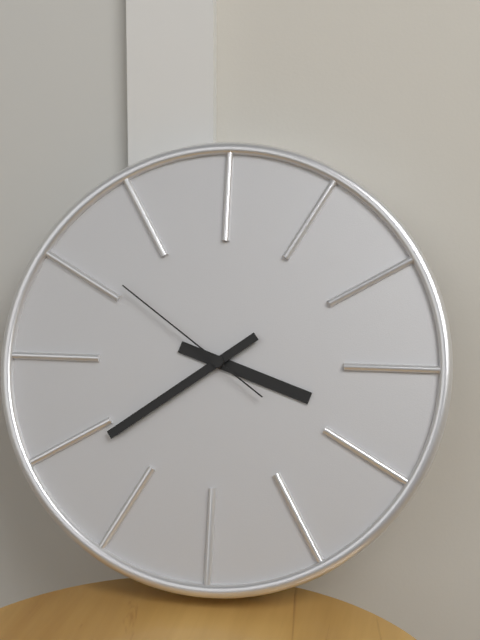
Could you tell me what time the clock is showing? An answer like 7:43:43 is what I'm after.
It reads 3:39:51
